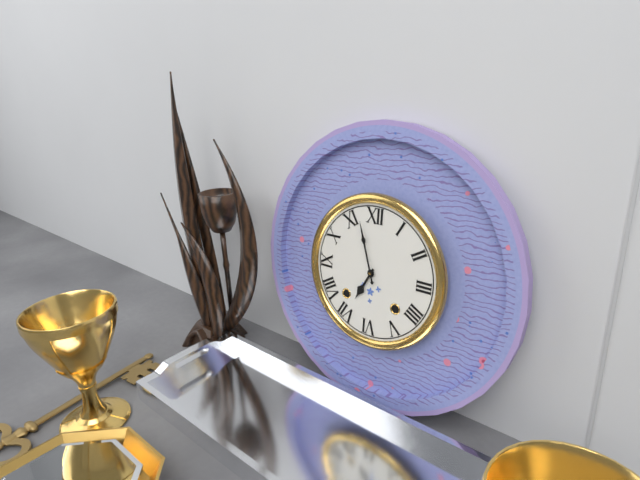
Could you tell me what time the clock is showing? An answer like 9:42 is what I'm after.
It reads 6:57
